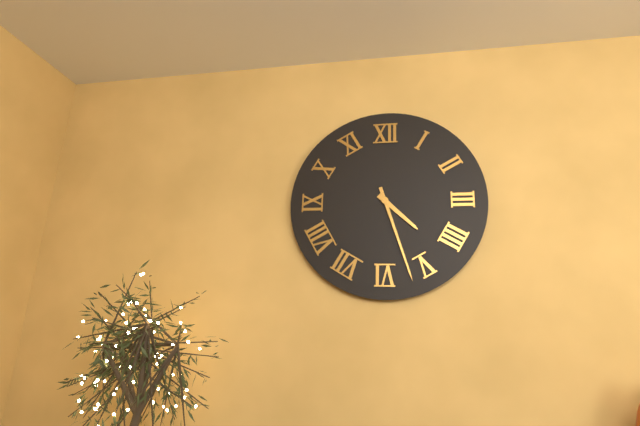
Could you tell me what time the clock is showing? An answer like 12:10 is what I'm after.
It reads 4:27
